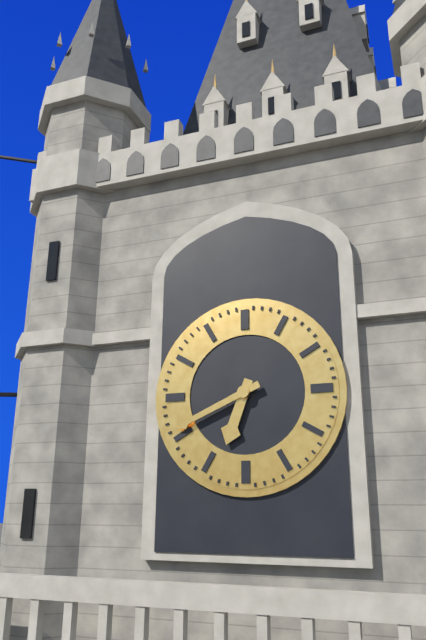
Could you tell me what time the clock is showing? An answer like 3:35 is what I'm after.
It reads 6:41
